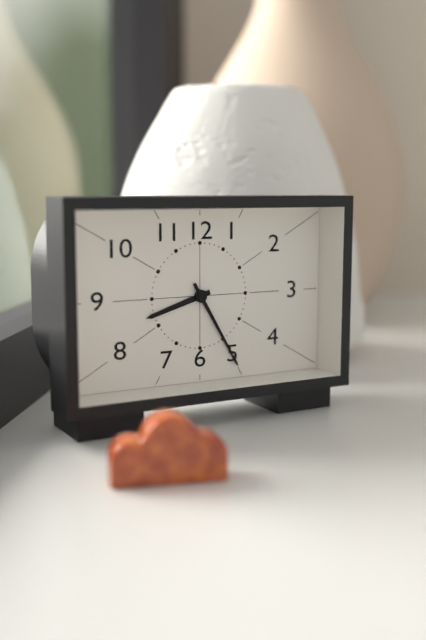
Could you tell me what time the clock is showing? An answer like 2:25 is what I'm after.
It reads 8:25
